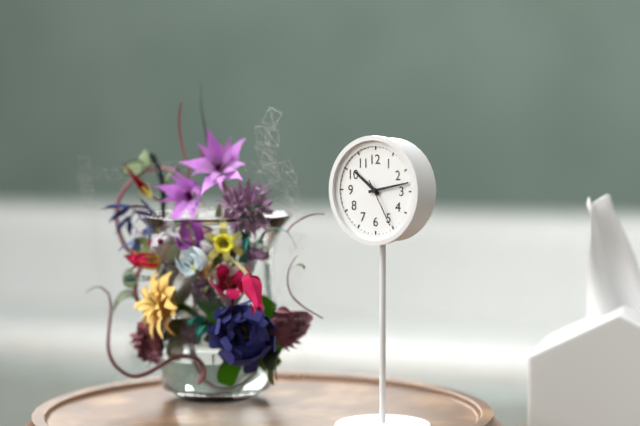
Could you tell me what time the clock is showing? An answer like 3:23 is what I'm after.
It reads 10:13
